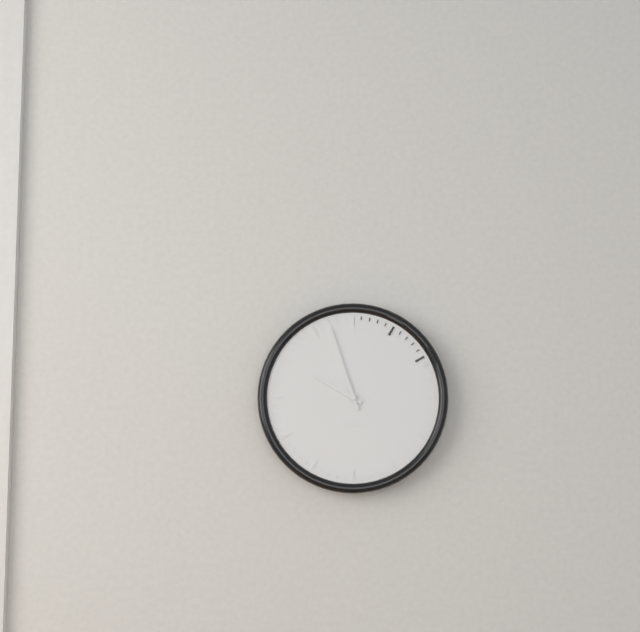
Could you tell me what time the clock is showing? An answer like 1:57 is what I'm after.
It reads 9:57
